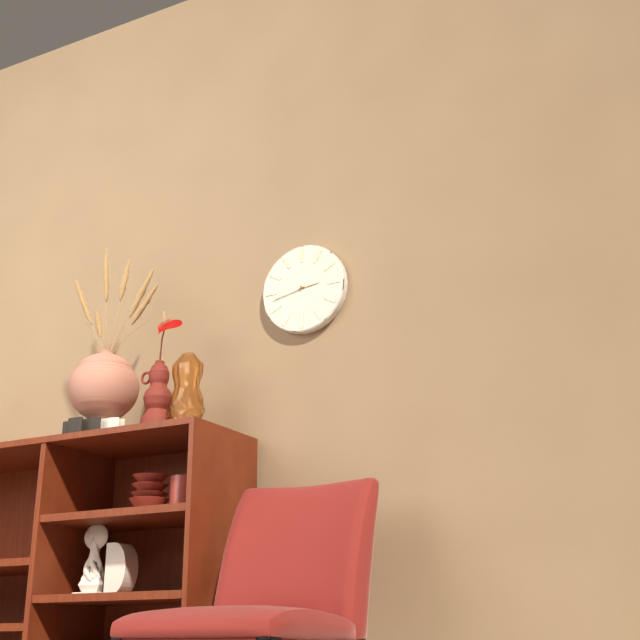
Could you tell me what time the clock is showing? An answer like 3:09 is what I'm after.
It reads 2:43
